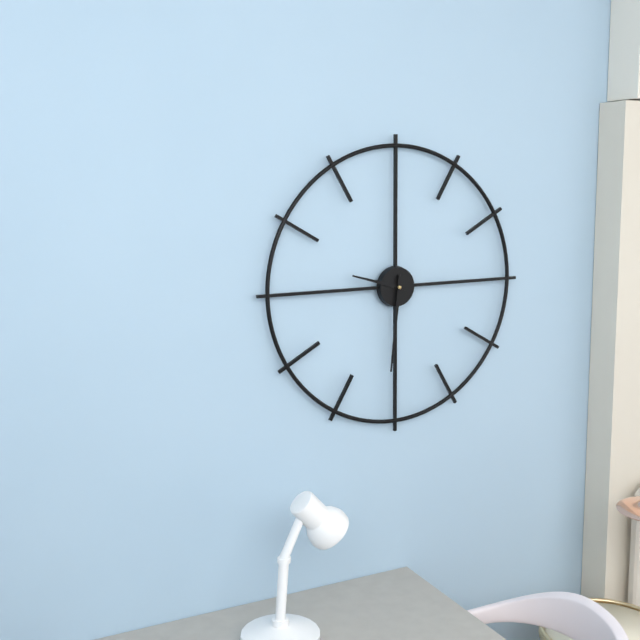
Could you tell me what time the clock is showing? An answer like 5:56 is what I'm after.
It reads 9:31
